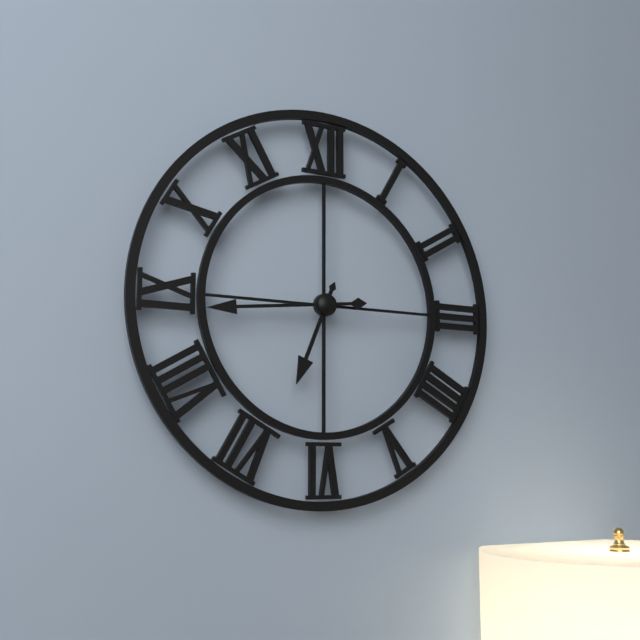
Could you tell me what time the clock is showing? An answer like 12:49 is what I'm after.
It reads 6:44
